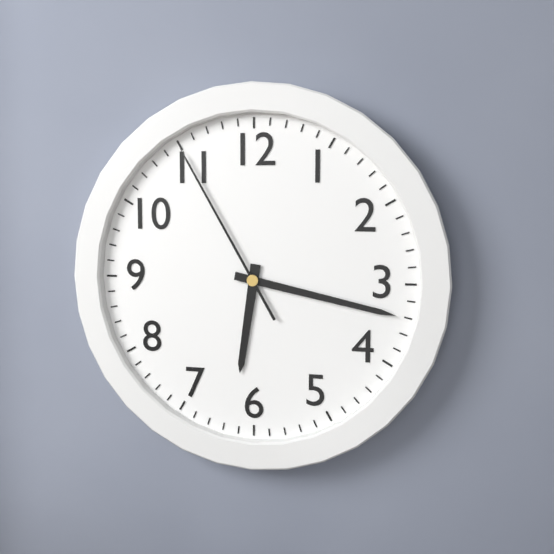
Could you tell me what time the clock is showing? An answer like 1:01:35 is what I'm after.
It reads 6:17:55
